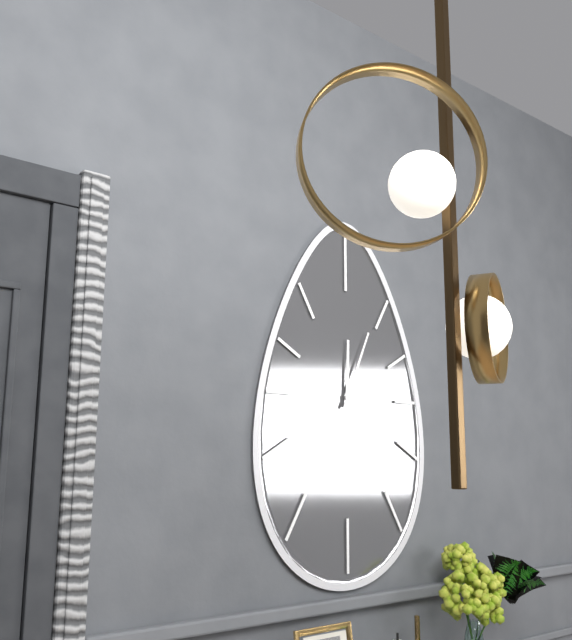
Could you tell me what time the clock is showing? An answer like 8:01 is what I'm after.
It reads 12:04
